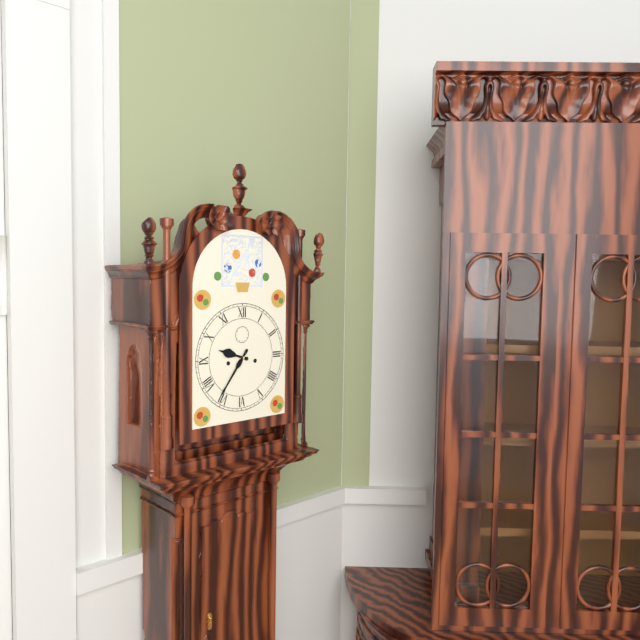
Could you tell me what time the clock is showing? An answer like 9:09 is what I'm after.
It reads 9:36
